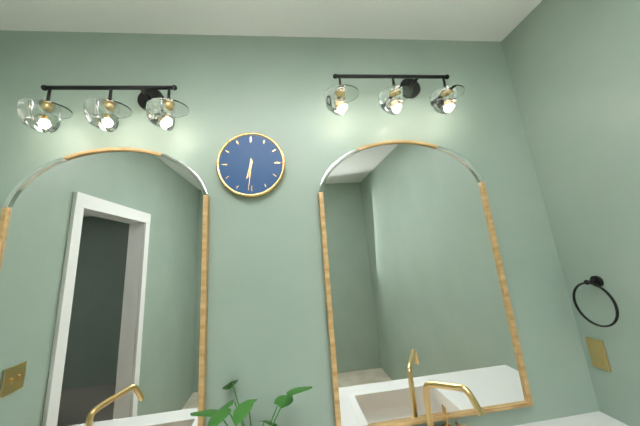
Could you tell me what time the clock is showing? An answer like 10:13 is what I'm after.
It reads 6:31
